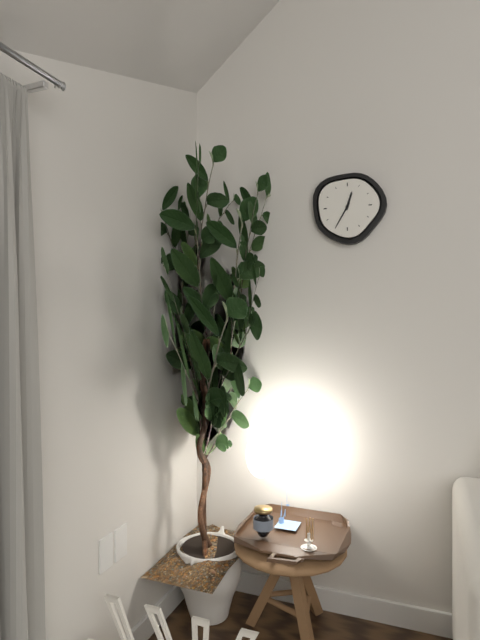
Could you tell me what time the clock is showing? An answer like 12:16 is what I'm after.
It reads 12:35
